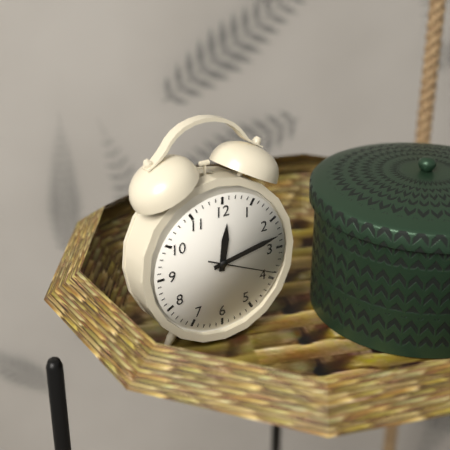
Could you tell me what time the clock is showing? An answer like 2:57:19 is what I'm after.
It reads 12:13:19
